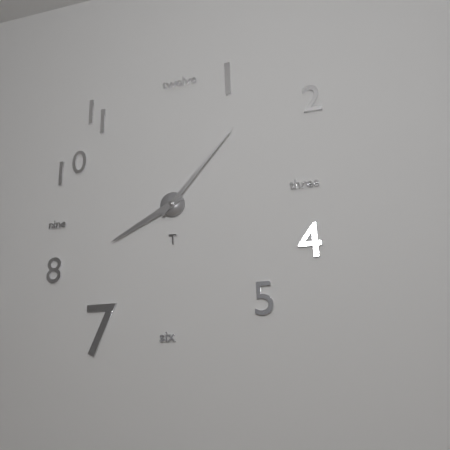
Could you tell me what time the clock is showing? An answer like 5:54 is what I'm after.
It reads 8:07
